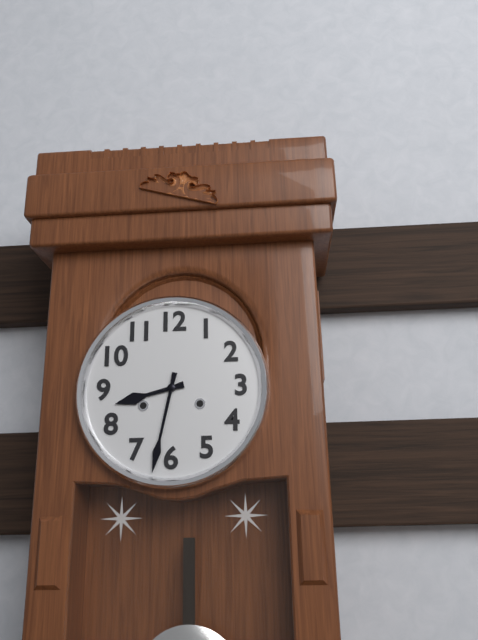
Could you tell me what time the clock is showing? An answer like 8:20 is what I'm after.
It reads 8:32
